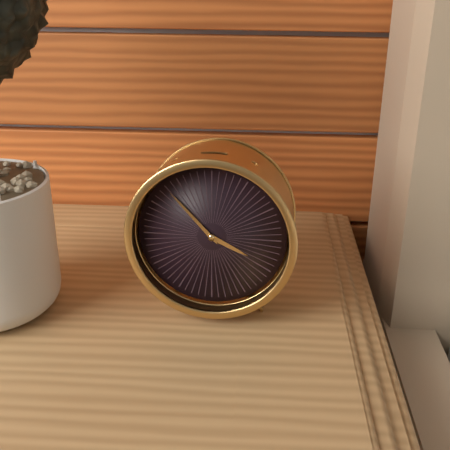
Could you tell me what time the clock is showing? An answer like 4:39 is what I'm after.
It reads 3:53
